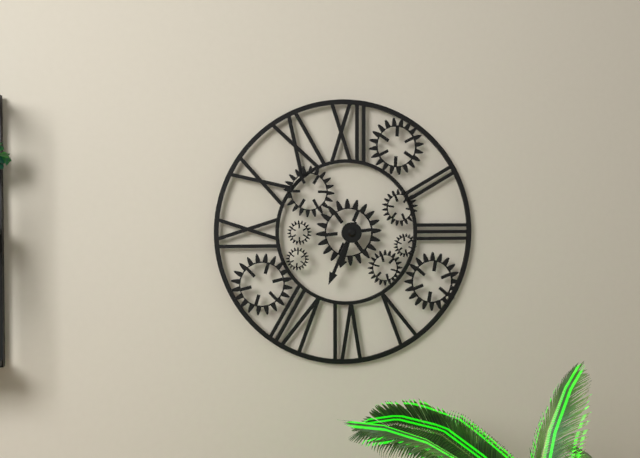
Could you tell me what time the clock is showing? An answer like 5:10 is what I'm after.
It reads 6:34
